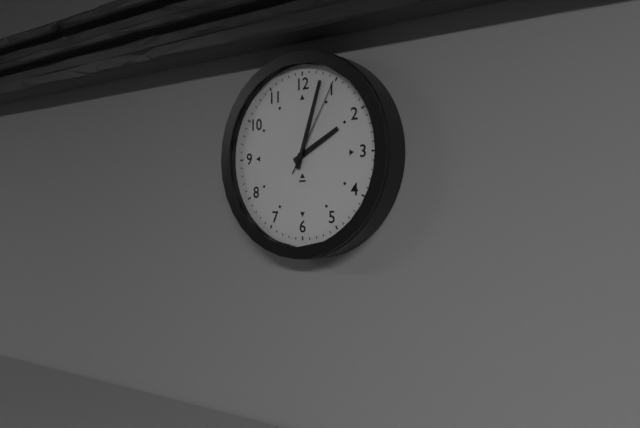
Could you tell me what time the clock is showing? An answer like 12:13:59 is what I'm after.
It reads 2:03:05
